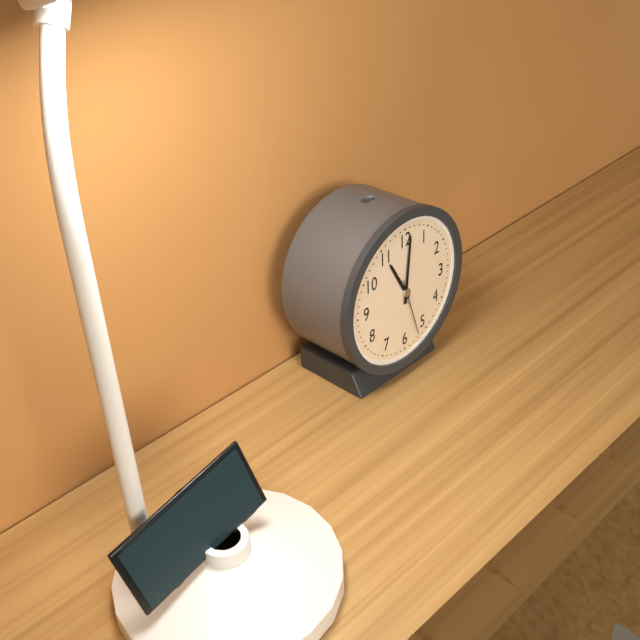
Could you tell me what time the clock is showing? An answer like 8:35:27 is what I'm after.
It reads 11:01:27
